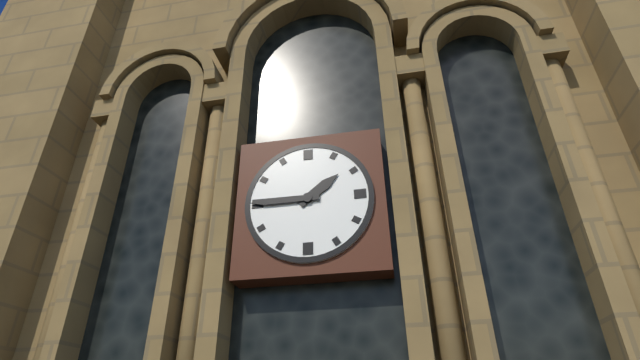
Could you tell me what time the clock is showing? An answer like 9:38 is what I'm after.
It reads 1:45
